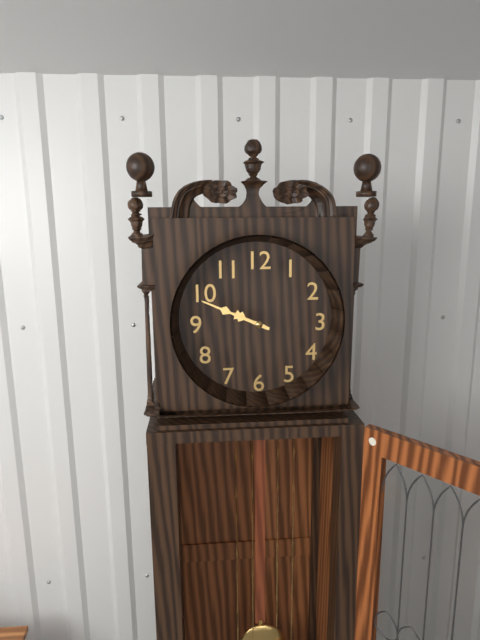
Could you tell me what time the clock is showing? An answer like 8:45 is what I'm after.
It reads 9:49
